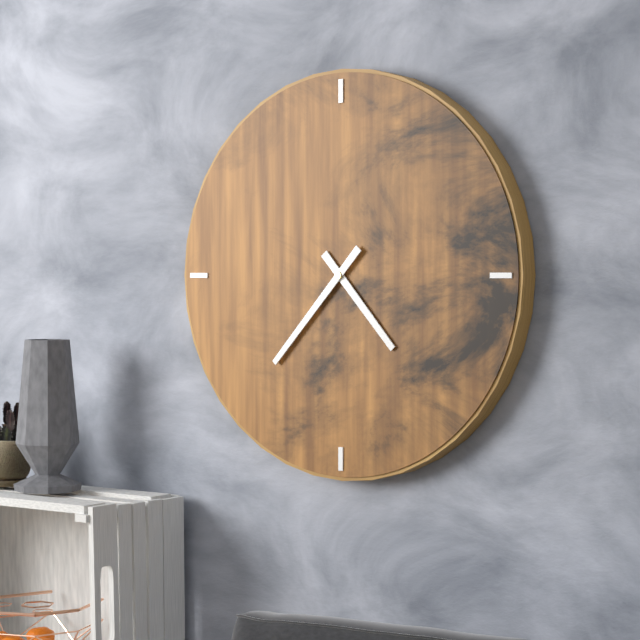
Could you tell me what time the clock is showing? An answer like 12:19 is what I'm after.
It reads 4:37
